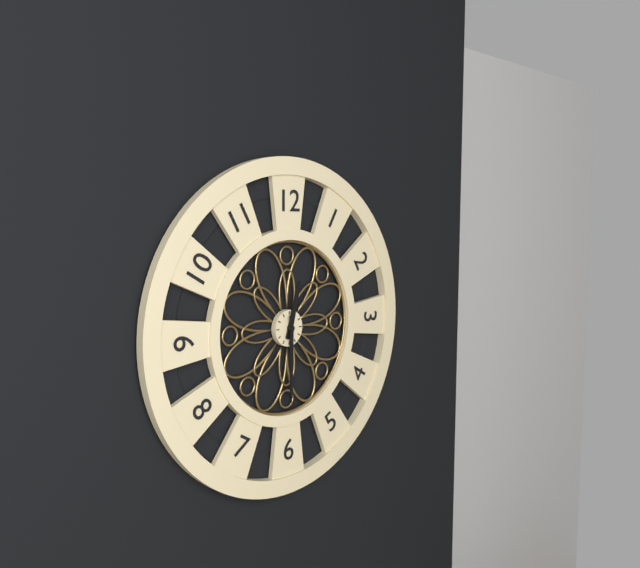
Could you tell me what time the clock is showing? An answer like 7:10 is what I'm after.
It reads 12:30
